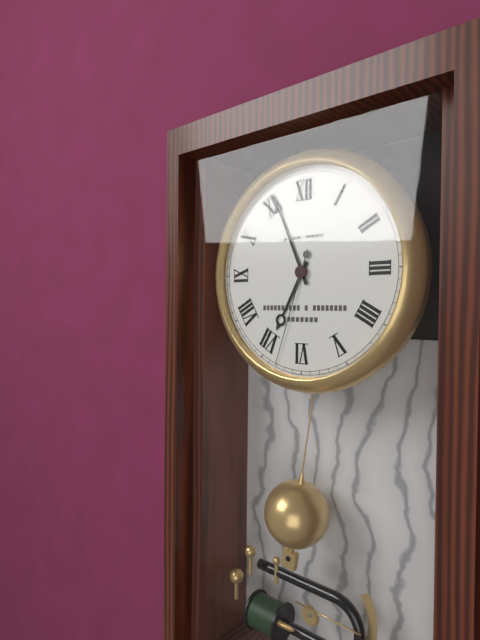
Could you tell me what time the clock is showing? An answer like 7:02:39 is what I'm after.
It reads 6:56:33
